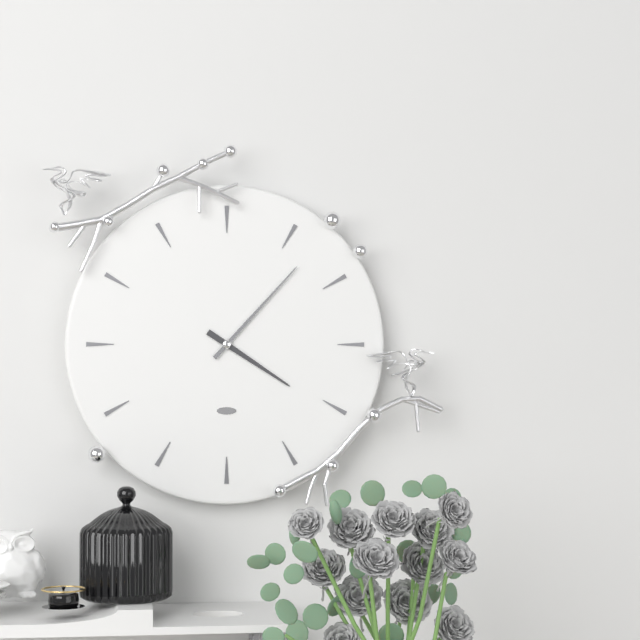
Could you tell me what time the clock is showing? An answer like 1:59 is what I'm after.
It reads 4:07
